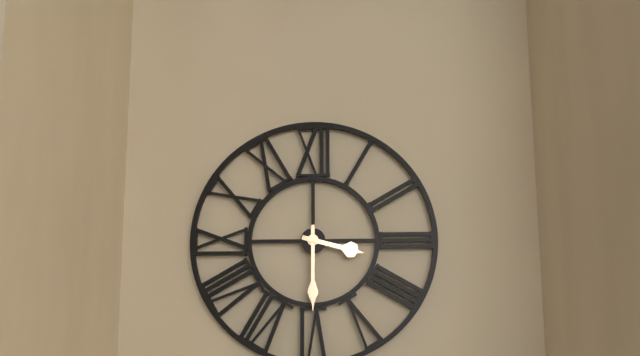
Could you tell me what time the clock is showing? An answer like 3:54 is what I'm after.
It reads 3:30
